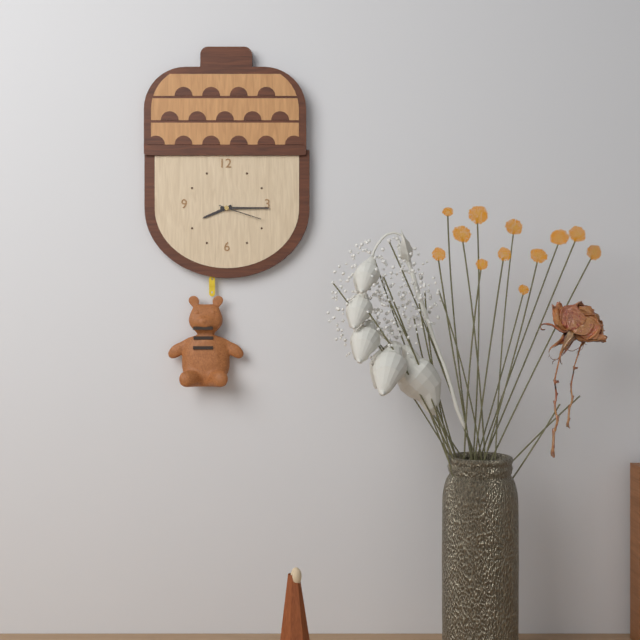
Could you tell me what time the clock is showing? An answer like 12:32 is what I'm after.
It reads 8:15
